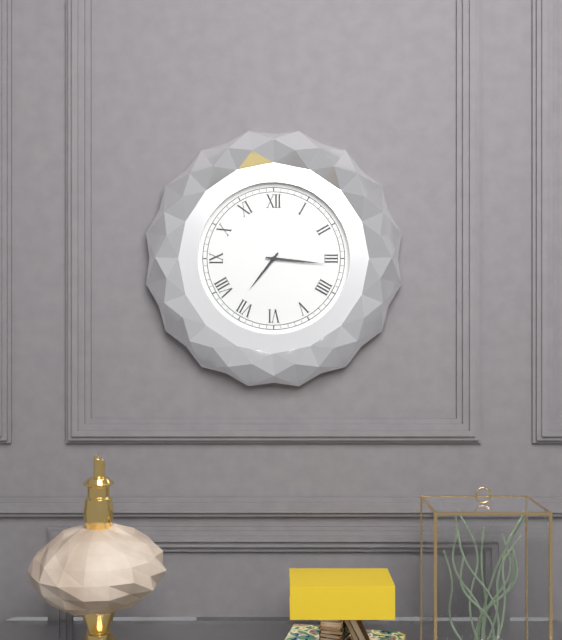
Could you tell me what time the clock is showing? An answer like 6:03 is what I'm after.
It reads 7:16
